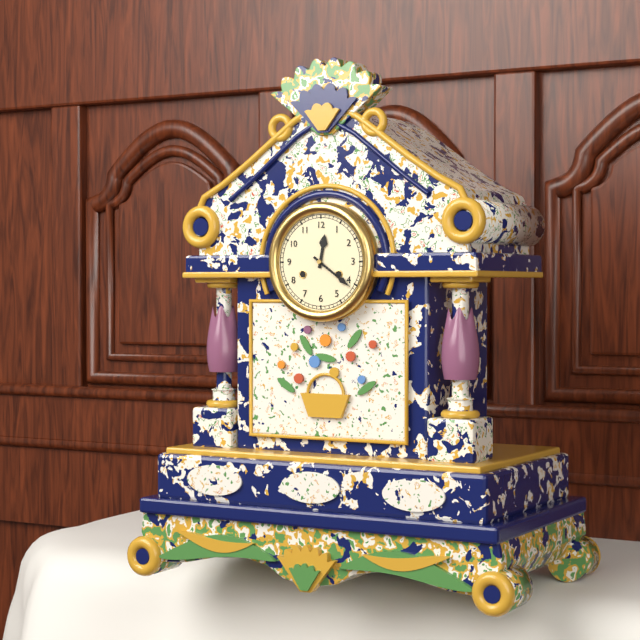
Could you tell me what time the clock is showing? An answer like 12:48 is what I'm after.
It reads 12:21
